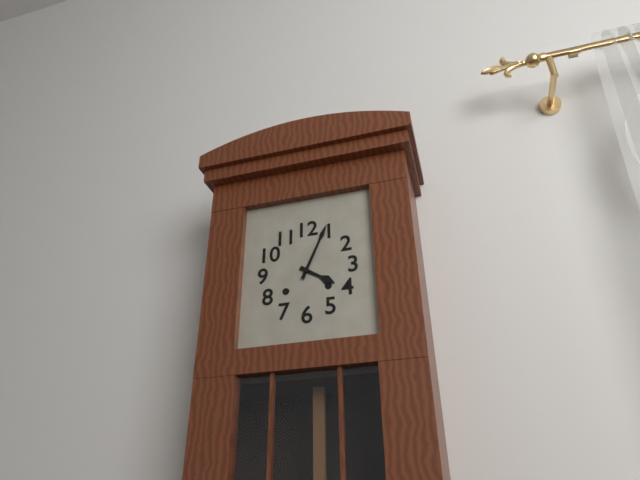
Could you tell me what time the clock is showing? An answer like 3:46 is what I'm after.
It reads 4:04
